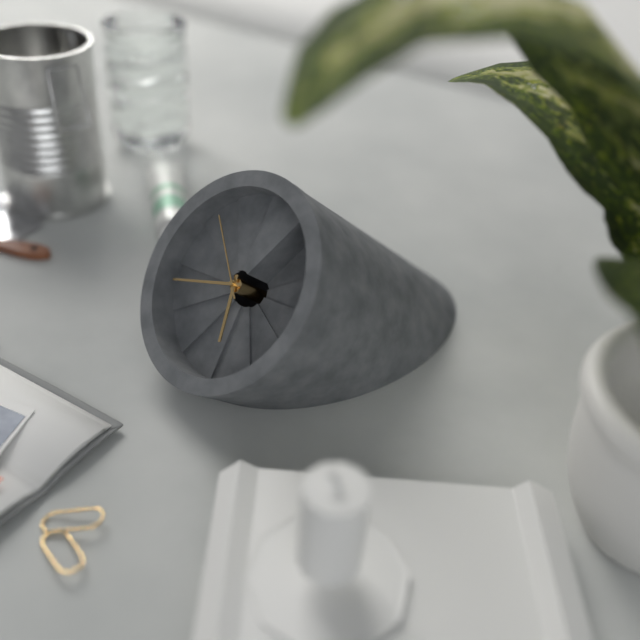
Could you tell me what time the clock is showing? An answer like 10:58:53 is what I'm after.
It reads 4:38:48
